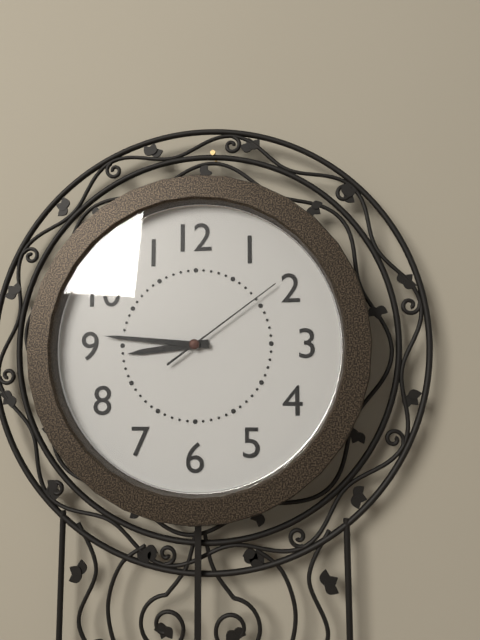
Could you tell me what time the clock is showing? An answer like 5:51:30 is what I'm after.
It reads 8:46:09
